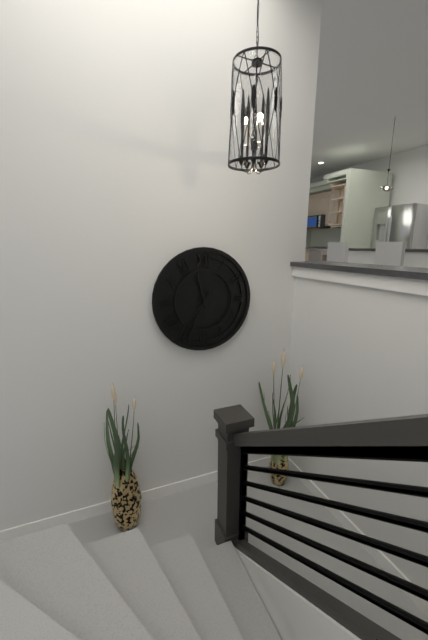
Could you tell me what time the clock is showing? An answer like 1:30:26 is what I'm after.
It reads 11:34:37
